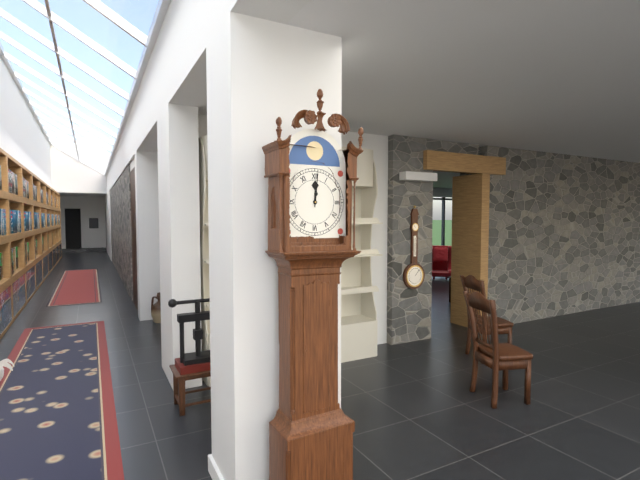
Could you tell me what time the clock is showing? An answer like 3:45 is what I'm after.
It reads 12:01
